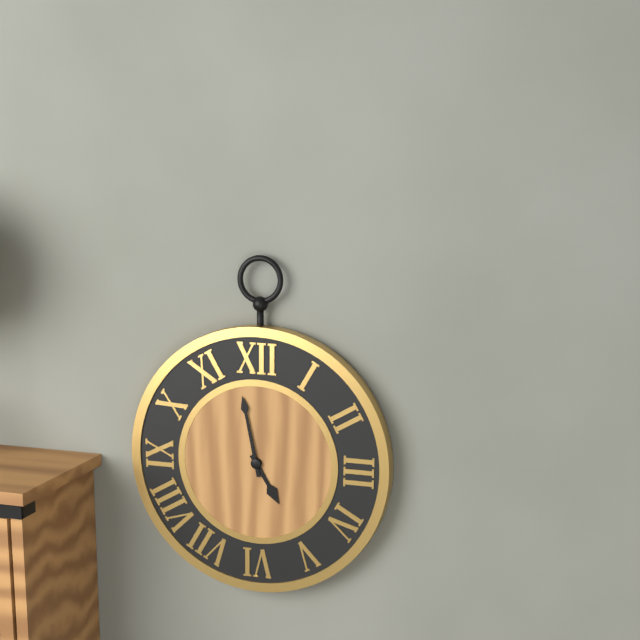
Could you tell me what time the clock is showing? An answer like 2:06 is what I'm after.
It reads 4:58
